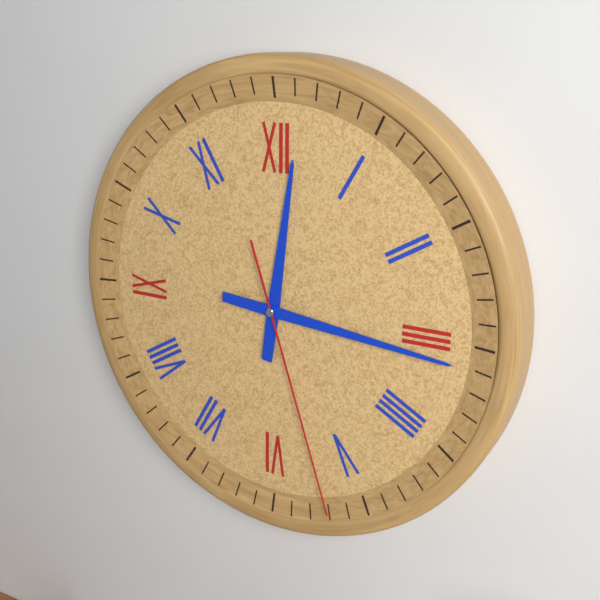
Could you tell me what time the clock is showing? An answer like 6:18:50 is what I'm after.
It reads 12:16:27
